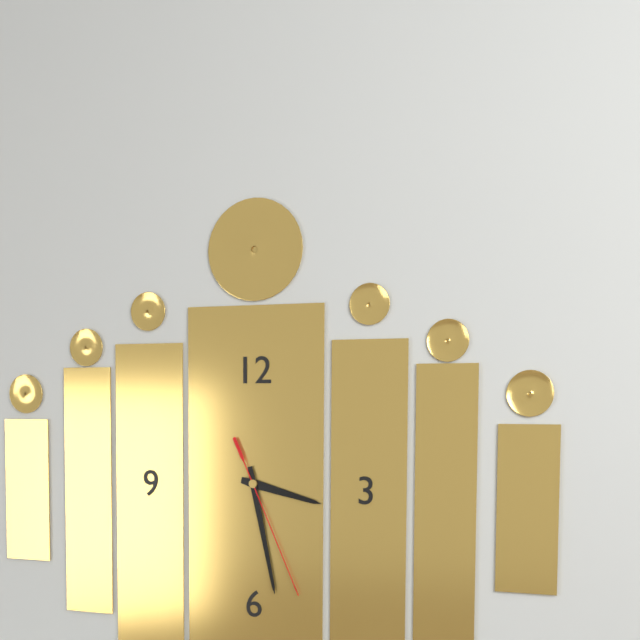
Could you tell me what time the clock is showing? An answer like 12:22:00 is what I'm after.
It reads 3:28:26
